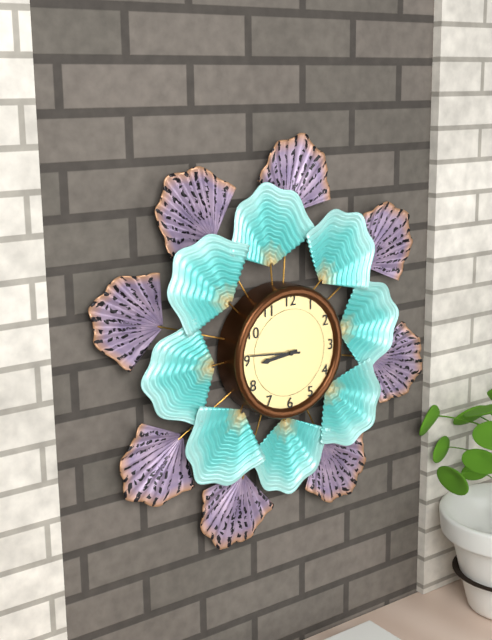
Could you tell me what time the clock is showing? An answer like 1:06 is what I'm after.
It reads 8:46
